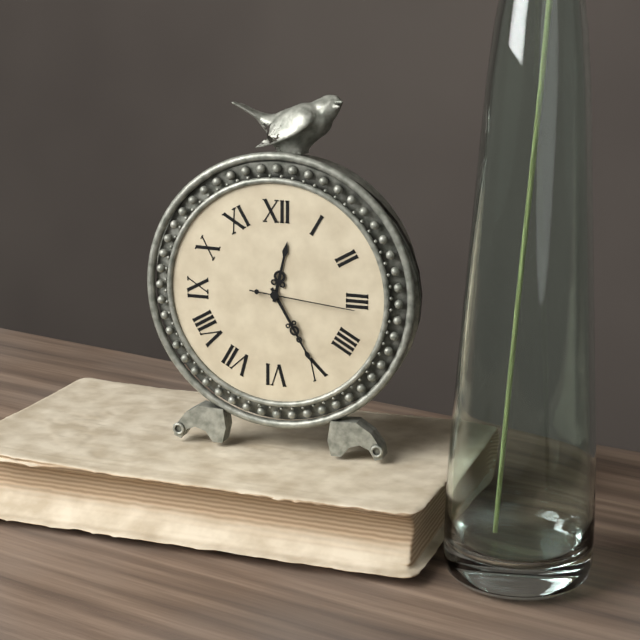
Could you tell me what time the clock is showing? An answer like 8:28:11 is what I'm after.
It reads 12:25:16
